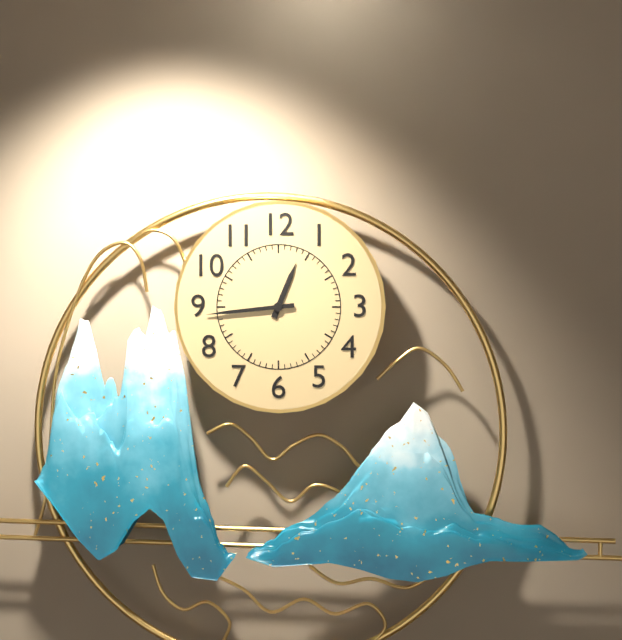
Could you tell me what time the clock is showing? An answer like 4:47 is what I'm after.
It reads 12:44
